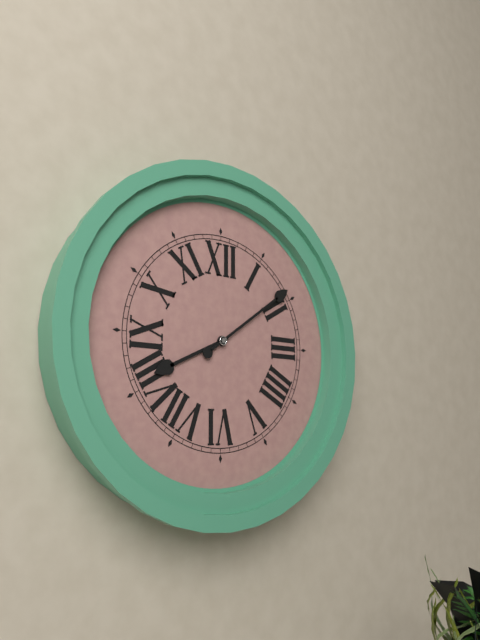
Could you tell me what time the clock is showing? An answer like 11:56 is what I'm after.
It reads 8:09
